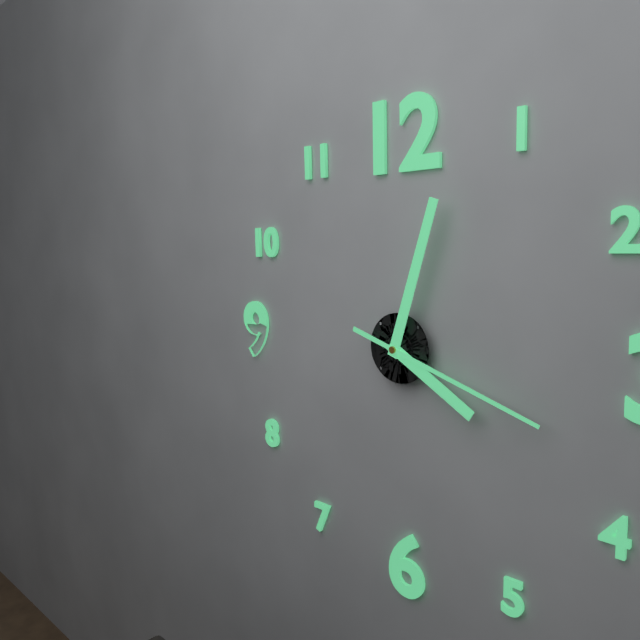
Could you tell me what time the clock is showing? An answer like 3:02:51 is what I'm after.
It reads 4:03:18
